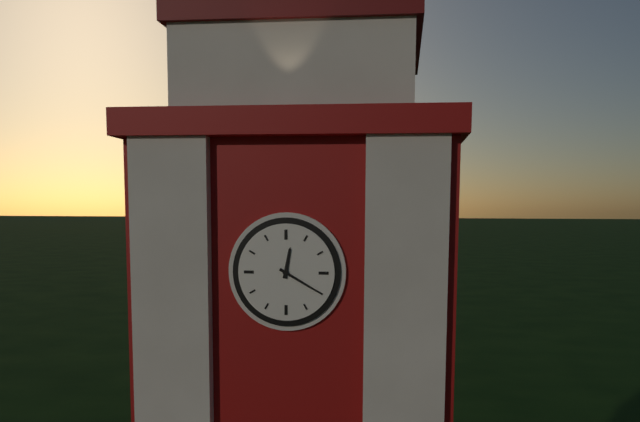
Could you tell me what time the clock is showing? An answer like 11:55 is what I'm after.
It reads 12:20
